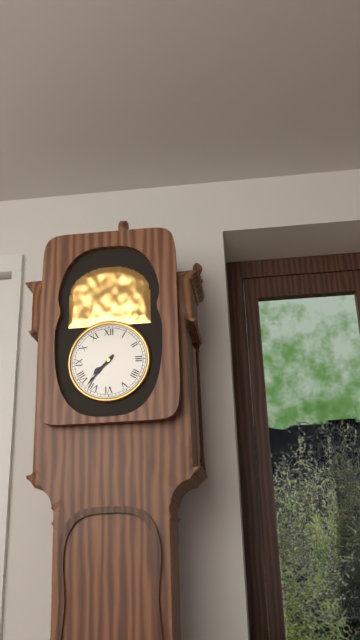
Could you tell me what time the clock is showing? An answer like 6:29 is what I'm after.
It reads 7:37
